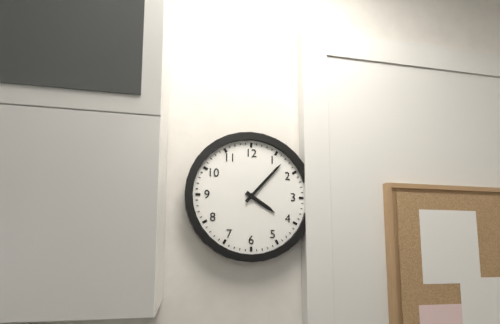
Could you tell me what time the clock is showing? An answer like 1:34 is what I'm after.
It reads 4:07
